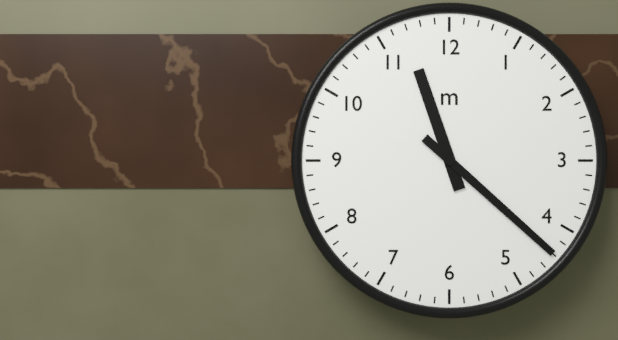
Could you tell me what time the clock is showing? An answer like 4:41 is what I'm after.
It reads 11:22
